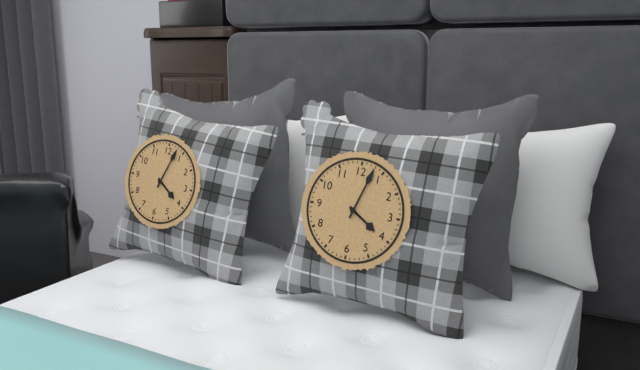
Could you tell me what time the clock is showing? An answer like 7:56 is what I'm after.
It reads 4:03
